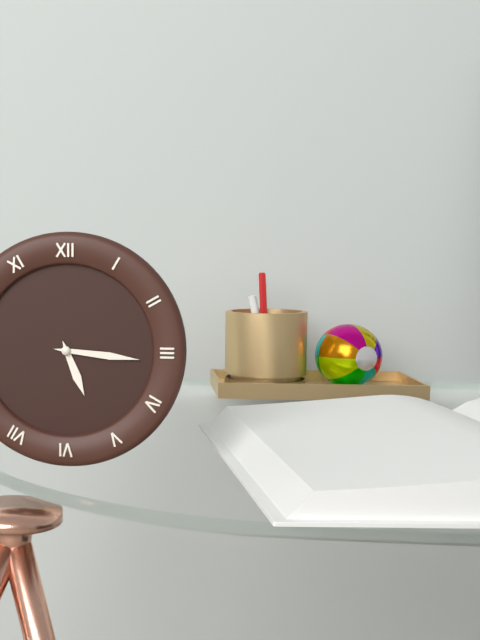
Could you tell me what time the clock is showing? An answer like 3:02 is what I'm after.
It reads 5:16
